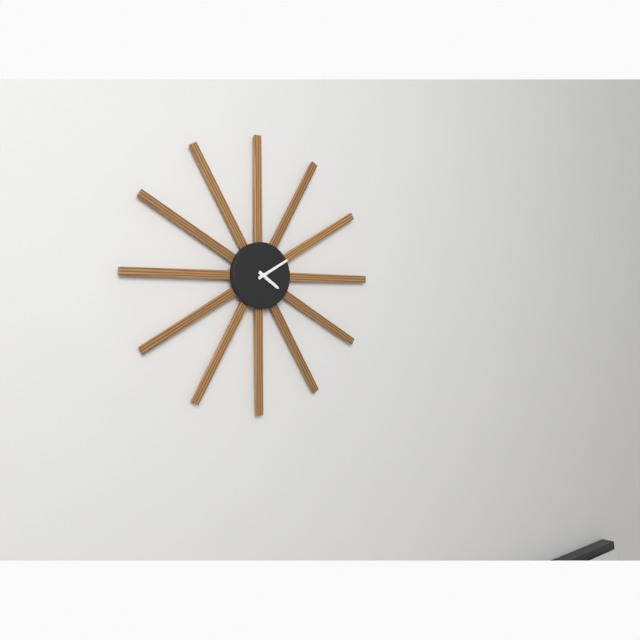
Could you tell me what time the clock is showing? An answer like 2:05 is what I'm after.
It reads 4:10
